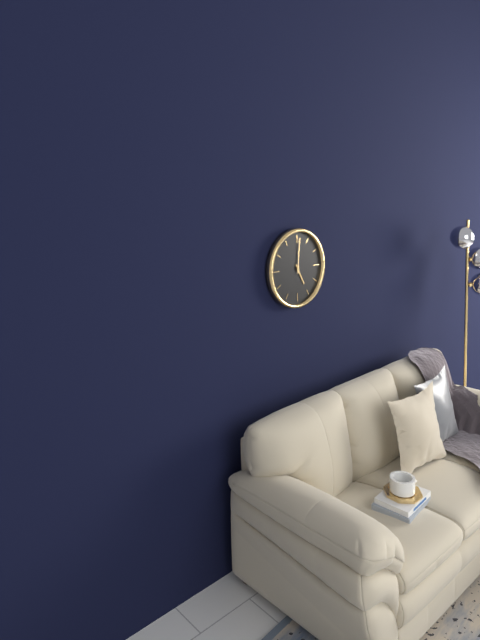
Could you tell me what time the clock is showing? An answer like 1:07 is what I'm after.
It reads 5:01
